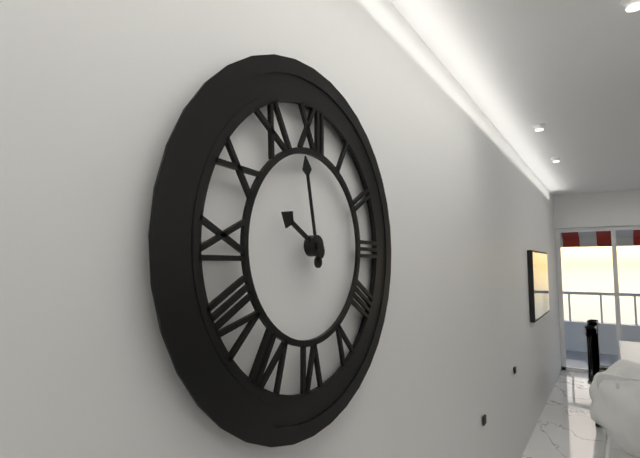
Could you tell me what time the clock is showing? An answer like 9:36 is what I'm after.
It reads 9:58
